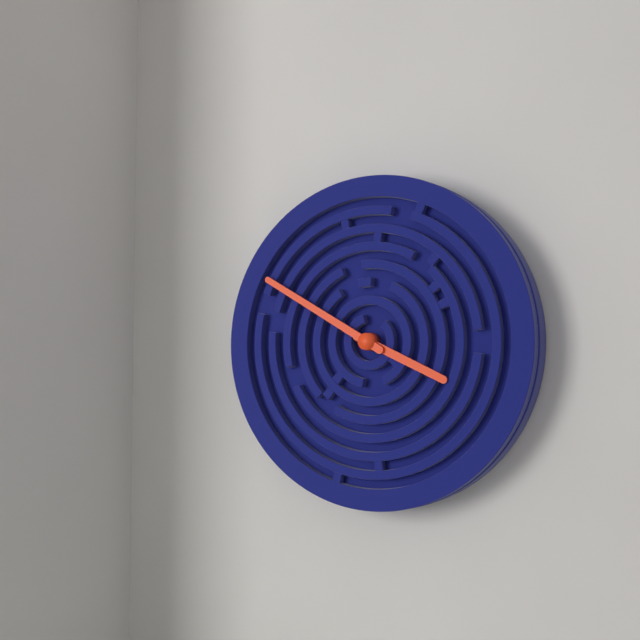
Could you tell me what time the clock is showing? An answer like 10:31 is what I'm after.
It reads 3:50
